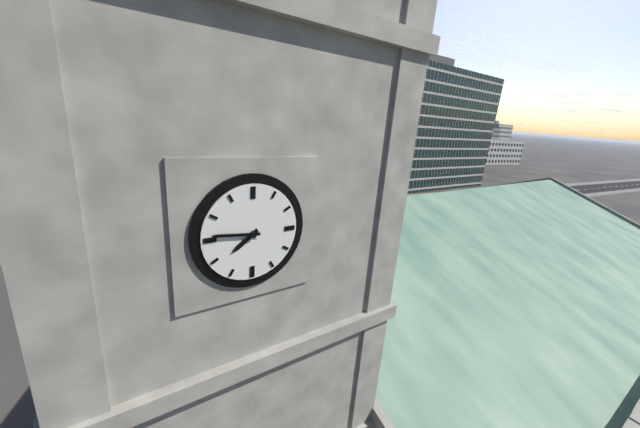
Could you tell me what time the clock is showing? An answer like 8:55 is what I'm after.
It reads 7:46
